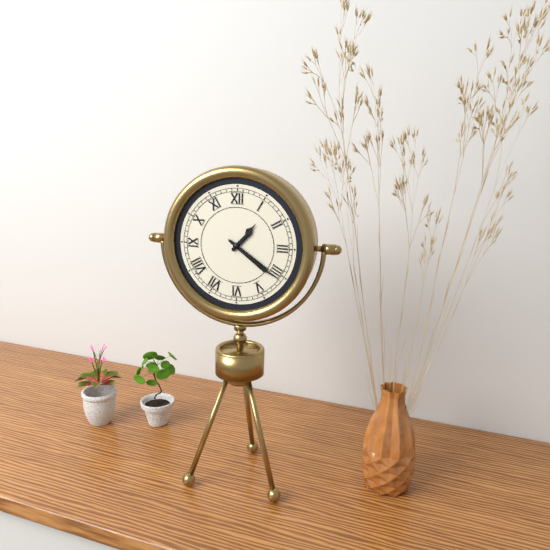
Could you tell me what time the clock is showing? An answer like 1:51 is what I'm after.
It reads 1:21
